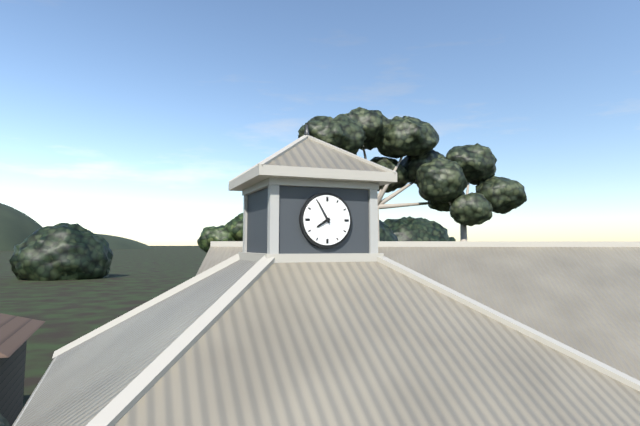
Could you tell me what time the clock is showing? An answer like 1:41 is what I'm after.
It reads 7:55
